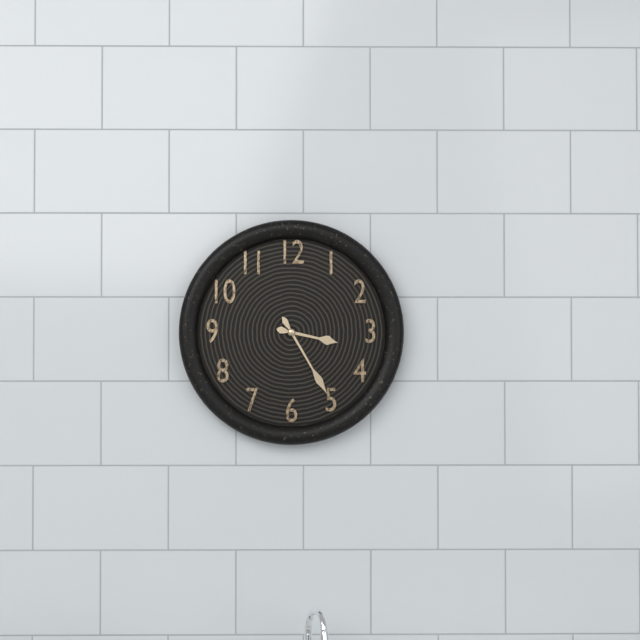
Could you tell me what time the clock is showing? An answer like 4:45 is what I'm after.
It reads 3:25
